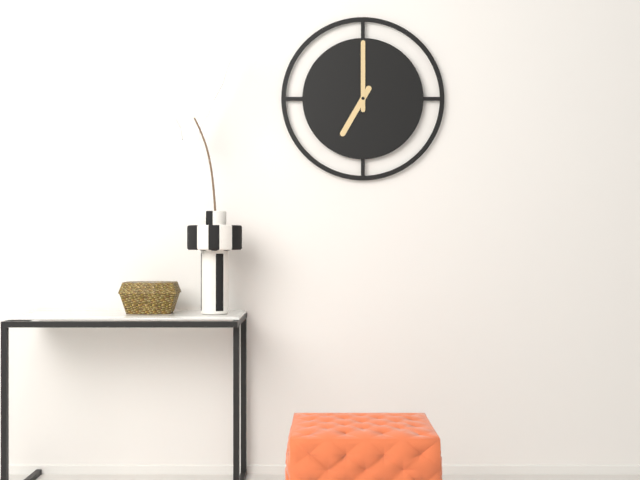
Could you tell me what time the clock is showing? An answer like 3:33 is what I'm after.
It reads 7:00
